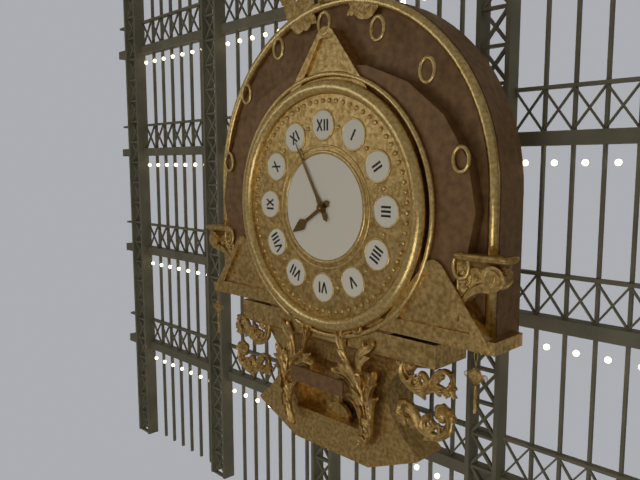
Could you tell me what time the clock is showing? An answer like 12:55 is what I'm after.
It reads 7:55
